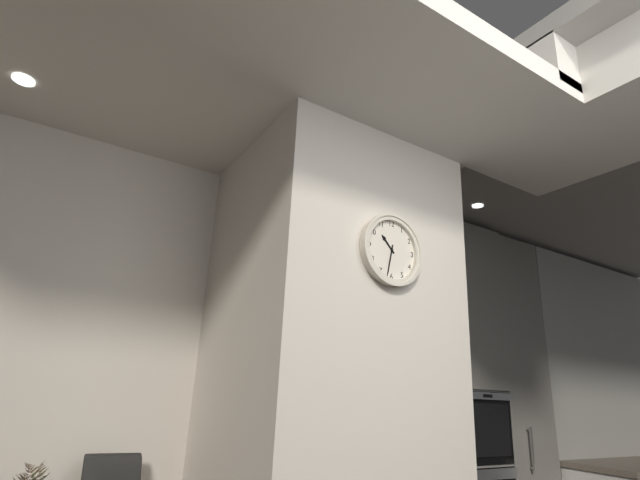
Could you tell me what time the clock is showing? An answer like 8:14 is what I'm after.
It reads 10:32
